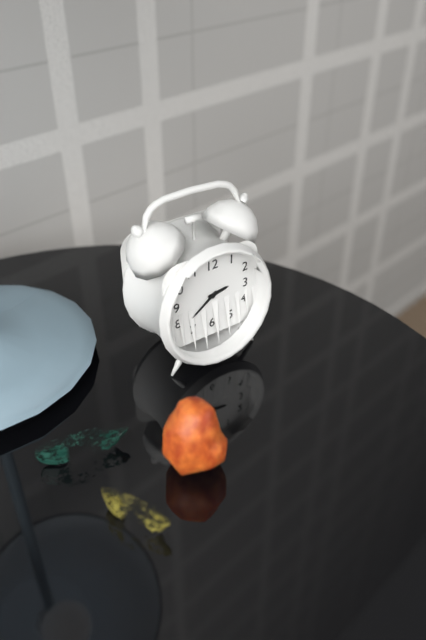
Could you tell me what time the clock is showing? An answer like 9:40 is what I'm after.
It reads 2:39
